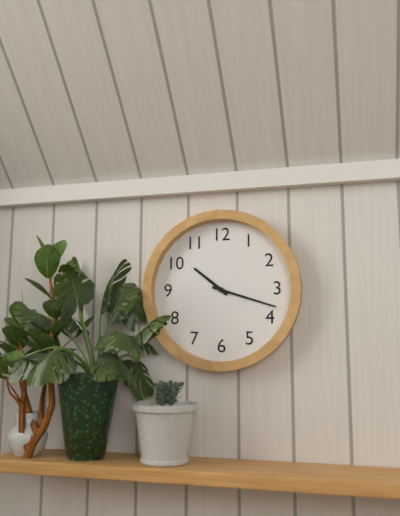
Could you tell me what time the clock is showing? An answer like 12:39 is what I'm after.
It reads 10:18
